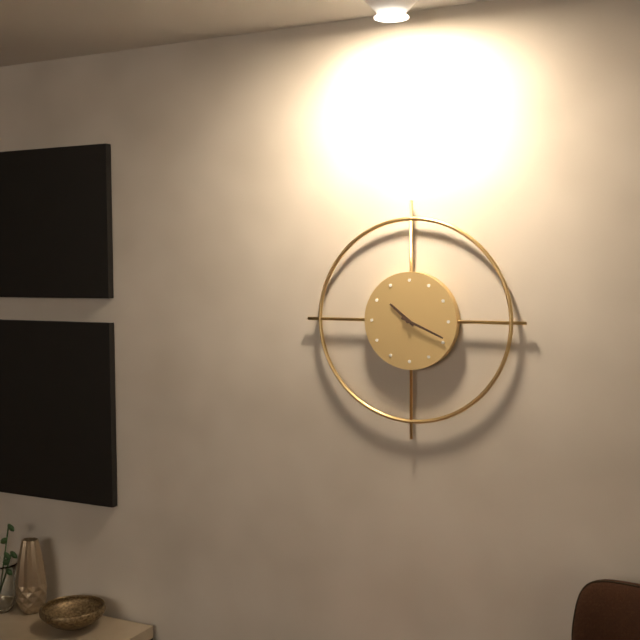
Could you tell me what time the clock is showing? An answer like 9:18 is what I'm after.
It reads 10:19
